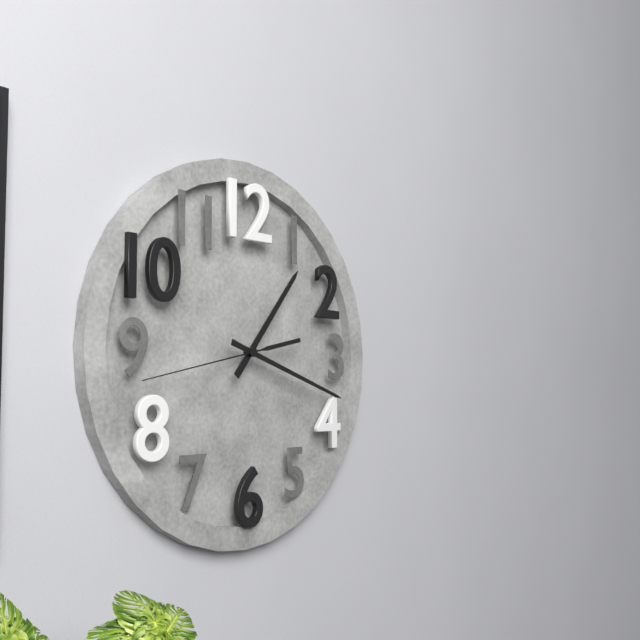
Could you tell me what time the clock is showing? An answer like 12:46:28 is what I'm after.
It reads 1:18:43
